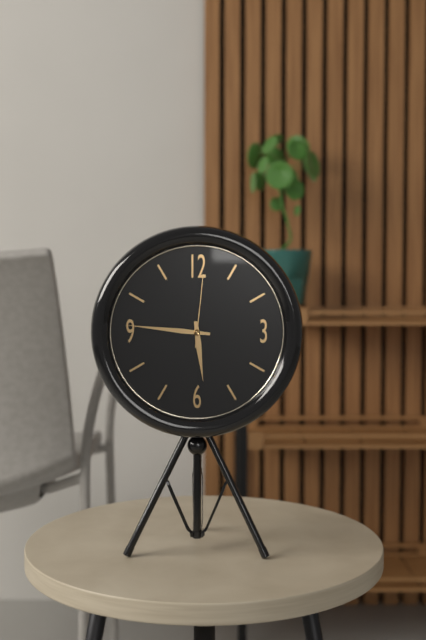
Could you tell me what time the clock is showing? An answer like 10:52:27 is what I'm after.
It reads 5:46:01
